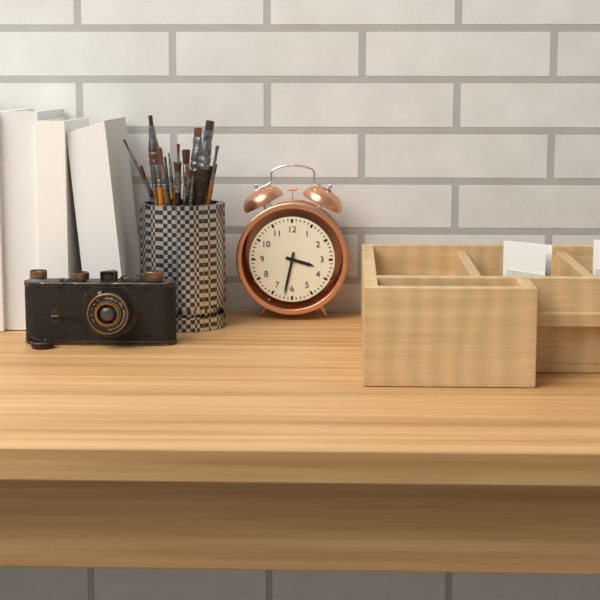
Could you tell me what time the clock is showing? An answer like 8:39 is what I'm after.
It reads 3:32
